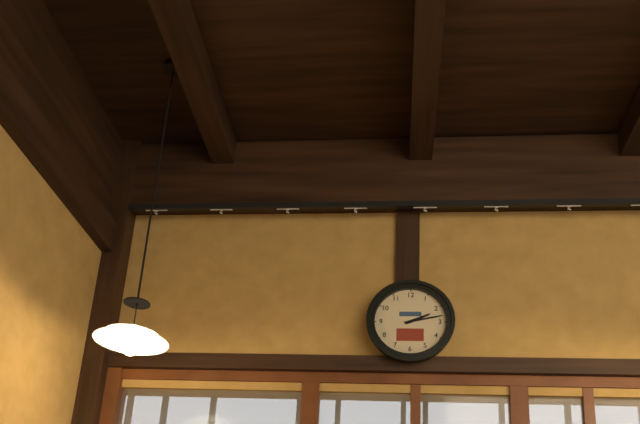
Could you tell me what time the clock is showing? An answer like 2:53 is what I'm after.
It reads 2:13
